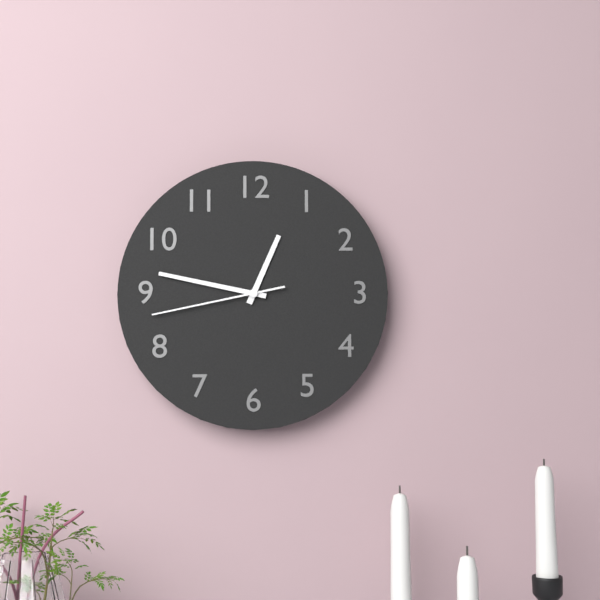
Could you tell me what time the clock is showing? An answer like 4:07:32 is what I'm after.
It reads 12:47:43
